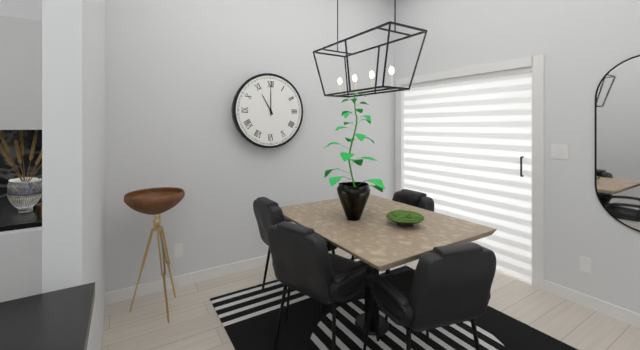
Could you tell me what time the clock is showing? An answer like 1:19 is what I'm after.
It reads 11:00
